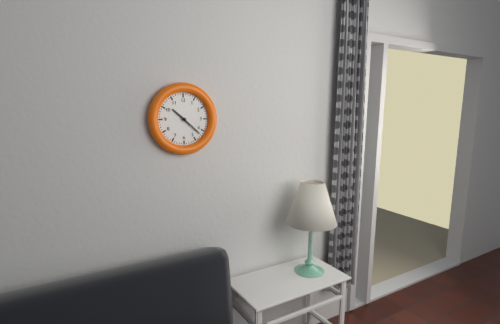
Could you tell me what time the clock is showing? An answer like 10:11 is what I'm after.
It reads 10:22
